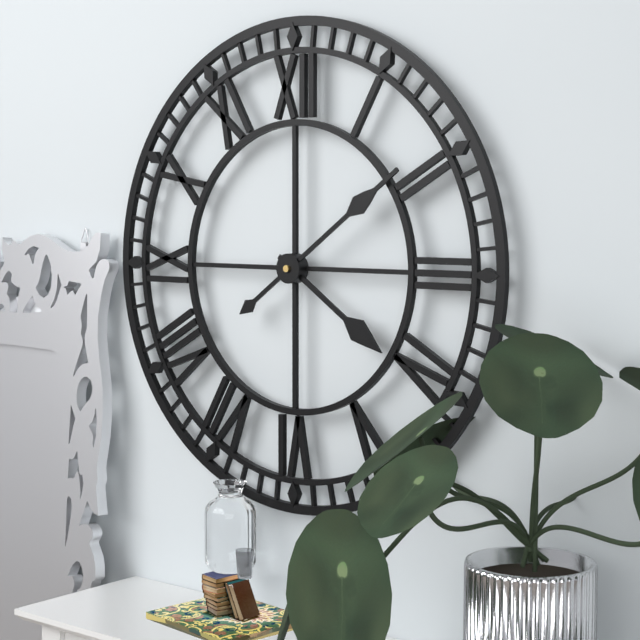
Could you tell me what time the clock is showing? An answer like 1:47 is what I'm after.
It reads 4:09
